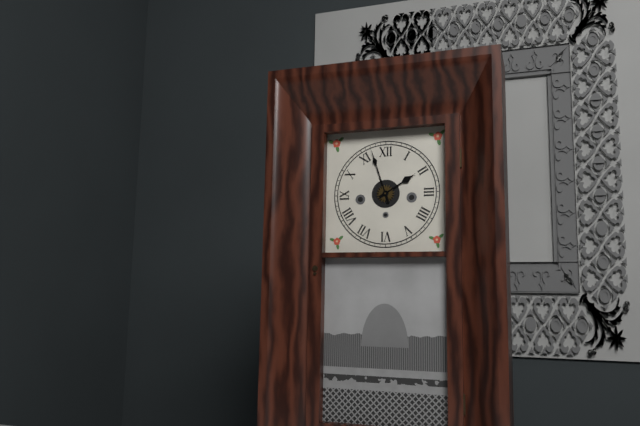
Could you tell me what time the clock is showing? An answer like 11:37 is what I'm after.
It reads 1:57
